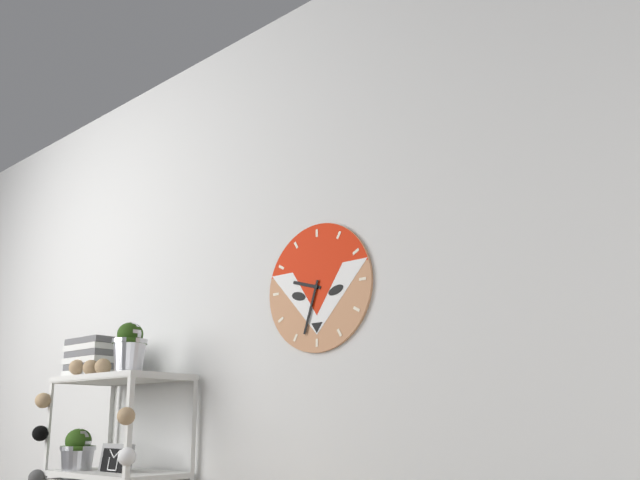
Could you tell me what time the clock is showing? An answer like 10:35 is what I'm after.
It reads 9:33
